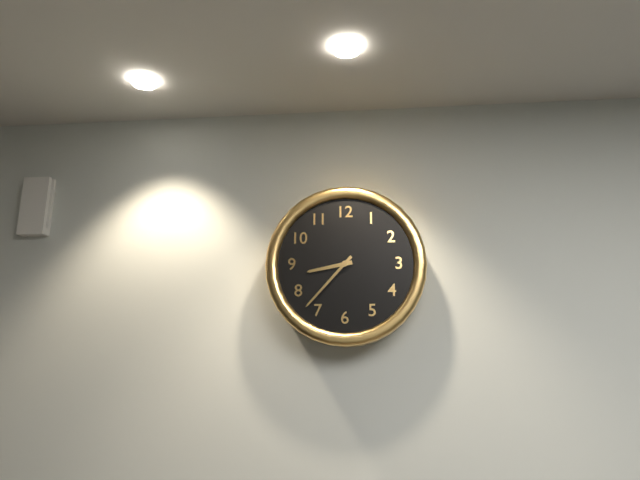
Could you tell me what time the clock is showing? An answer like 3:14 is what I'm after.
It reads 8:37
